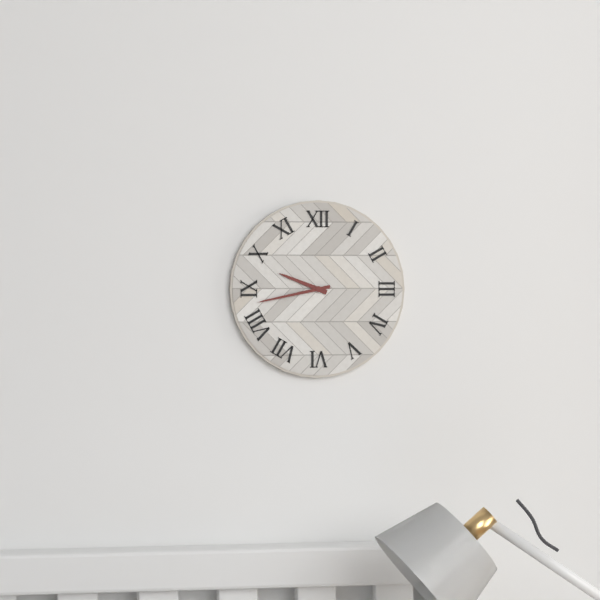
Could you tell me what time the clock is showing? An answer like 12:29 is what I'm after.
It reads 9:43
